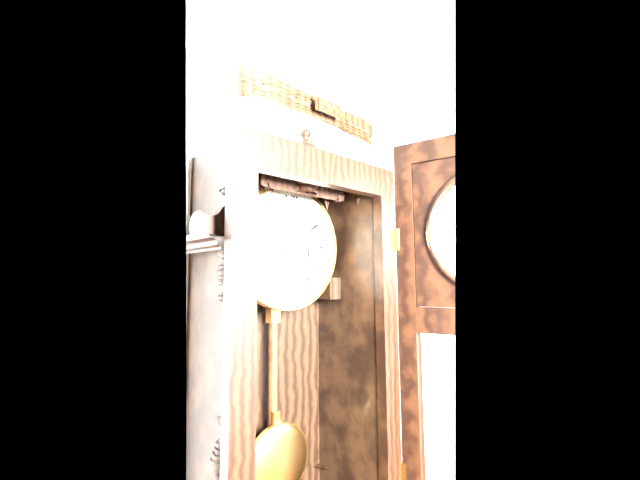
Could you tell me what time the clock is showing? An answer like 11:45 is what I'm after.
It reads 12:09
